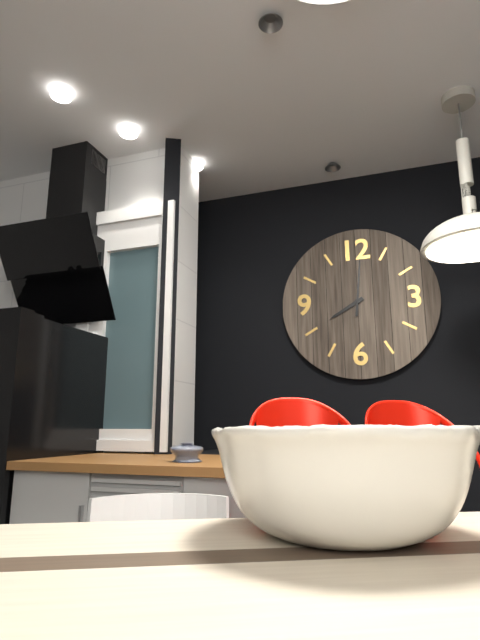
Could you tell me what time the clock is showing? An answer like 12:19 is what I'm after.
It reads 8:01
